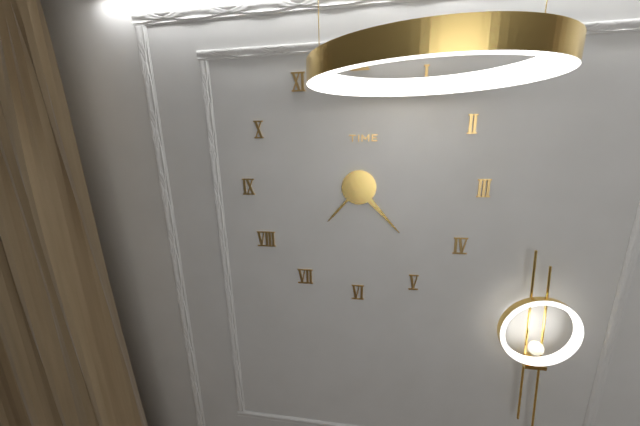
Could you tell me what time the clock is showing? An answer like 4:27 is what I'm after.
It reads 7:23
